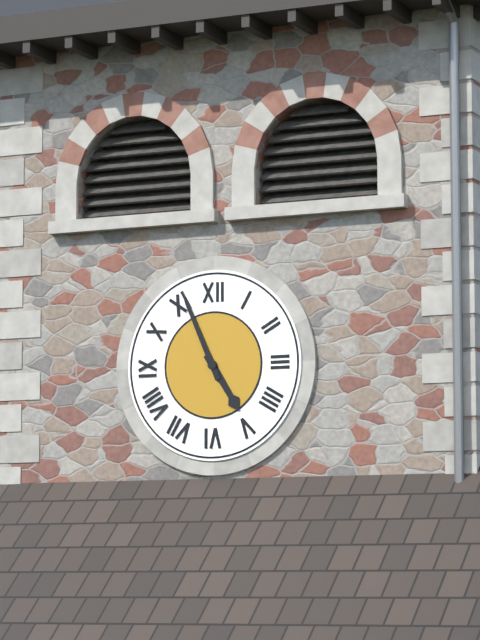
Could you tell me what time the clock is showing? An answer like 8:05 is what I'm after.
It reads 4:56
